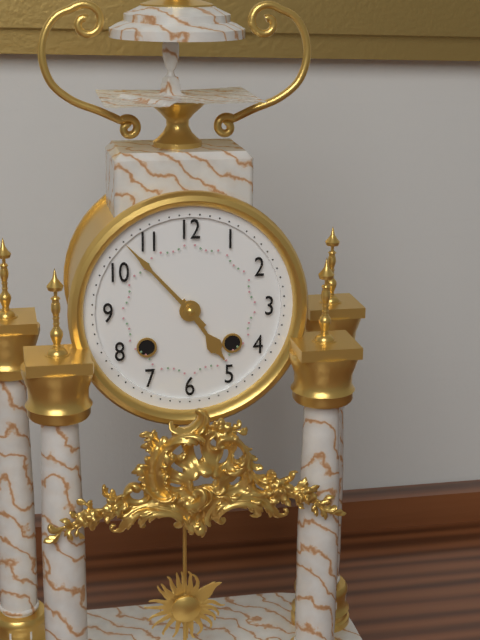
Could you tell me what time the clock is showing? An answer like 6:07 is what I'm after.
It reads 4:53
